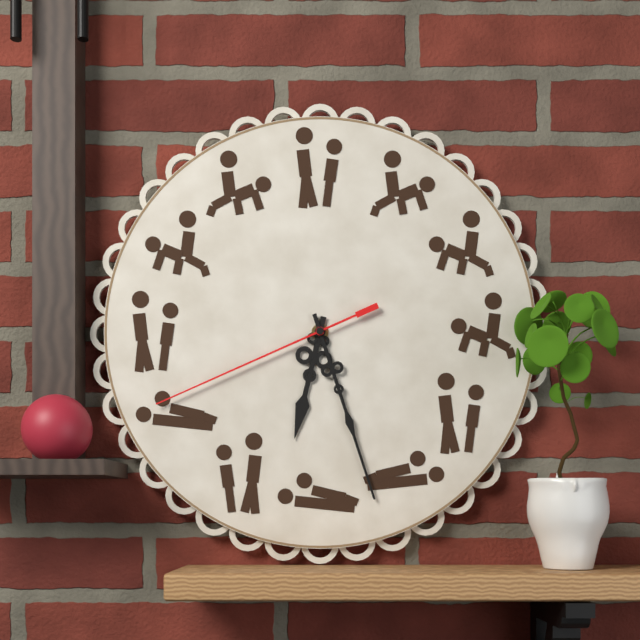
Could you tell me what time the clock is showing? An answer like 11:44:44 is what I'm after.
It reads 6:27:41
